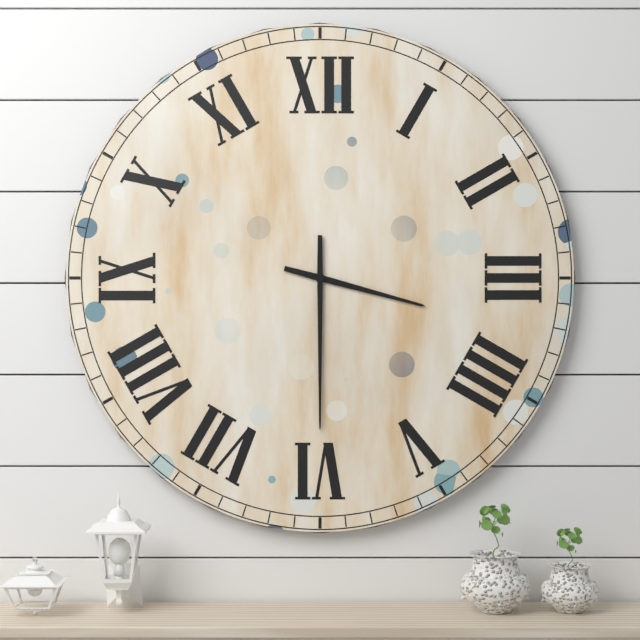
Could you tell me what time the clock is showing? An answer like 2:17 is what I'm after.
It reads 3:30
